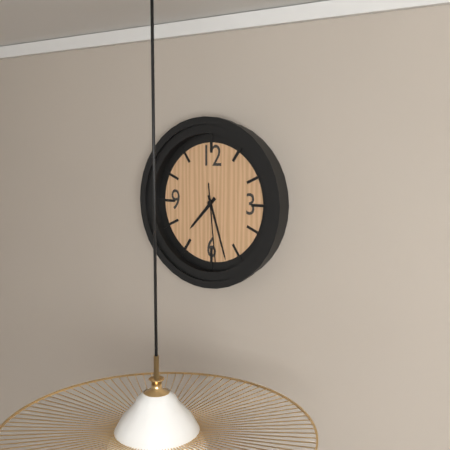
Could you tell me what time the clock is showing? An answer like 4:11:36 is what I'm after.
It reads 7:27:29
